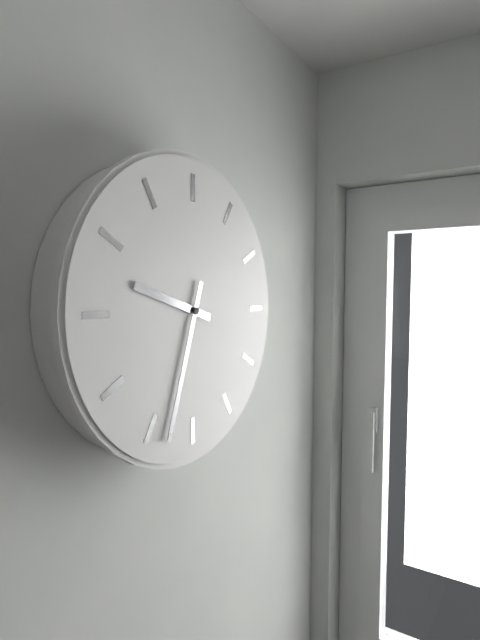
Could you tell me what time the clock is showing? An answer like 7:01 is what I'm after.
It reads 9:33
